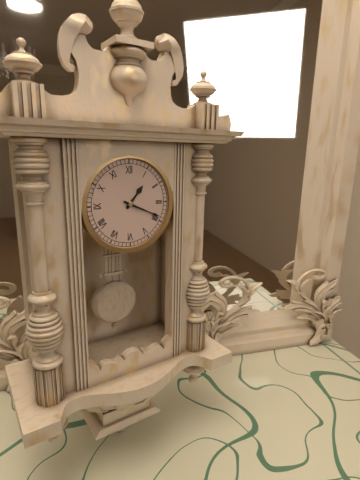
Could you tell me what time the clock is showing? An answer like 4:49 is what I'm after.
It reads 1:19
